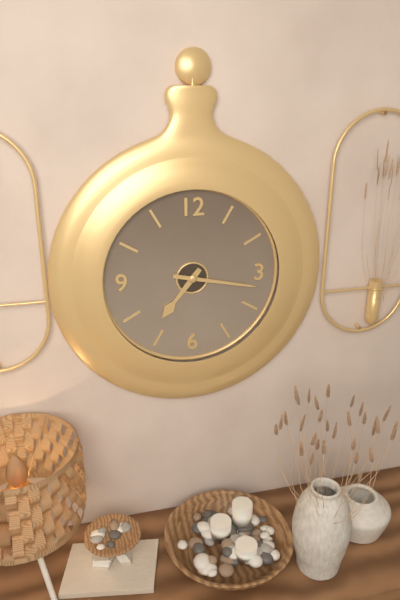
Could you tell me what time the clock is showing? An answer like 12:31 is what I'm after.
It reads 7:17
